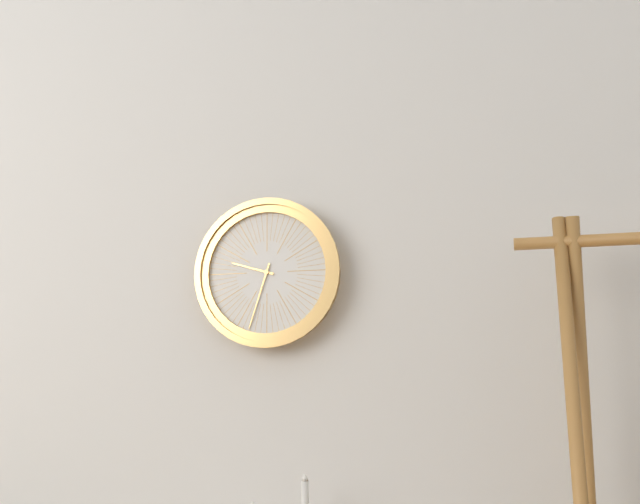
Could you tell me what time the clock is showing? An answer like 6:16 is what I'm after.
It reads 9:33
